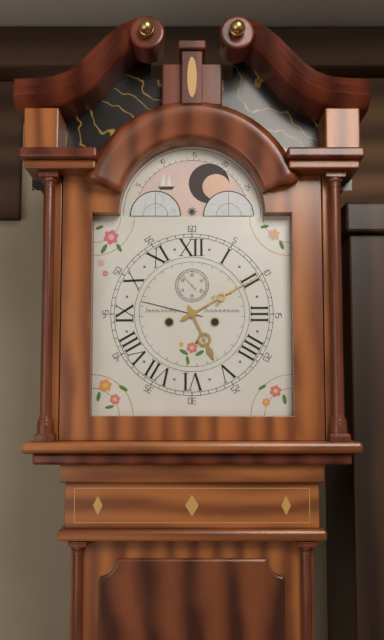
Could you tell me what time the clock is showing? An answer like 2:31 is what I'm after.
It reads 5:10
